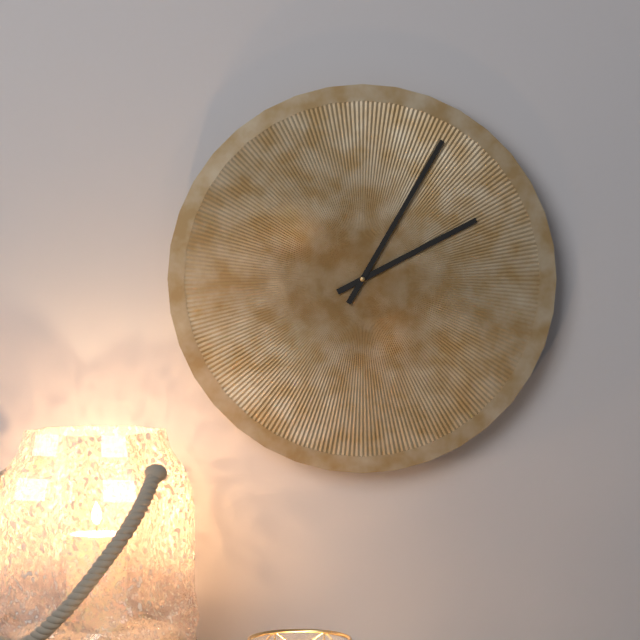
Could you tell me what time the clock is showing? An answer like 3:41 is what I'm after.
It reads 2:05
